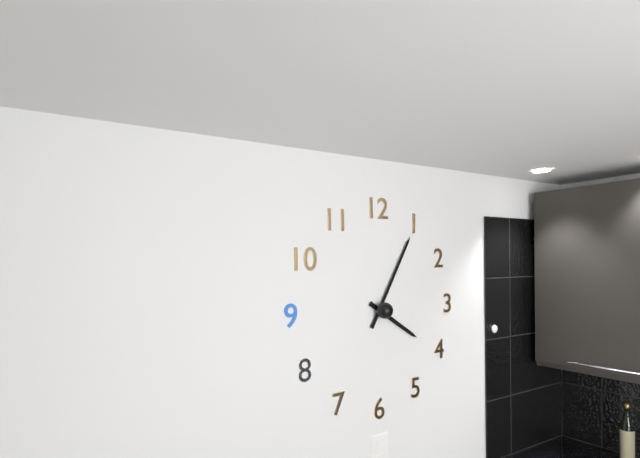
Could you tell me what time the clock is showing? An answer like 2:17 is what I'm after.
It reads 4:05
